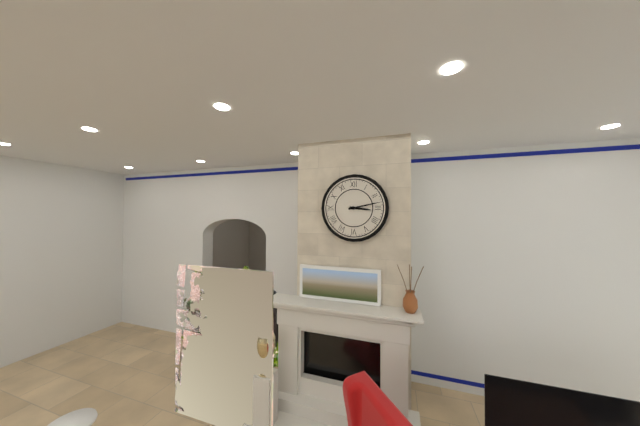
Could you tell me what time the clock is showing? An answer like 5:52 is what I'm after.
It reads 3:13
